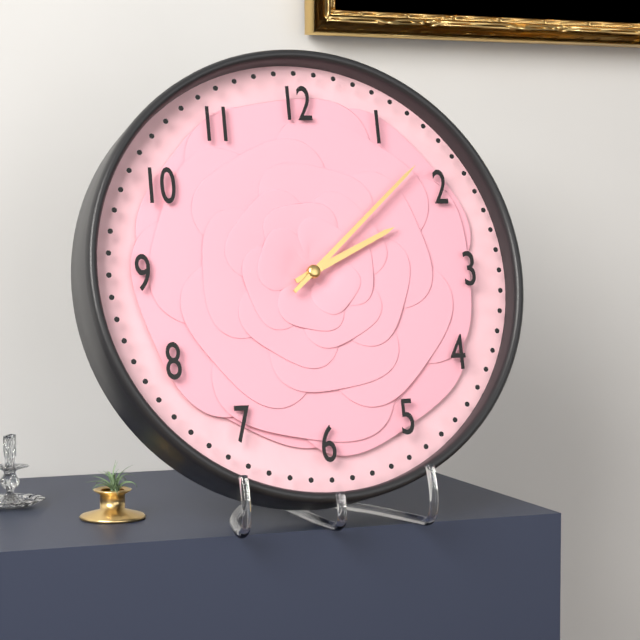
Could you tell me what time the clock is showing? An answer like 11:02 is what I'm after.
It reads 2:08
